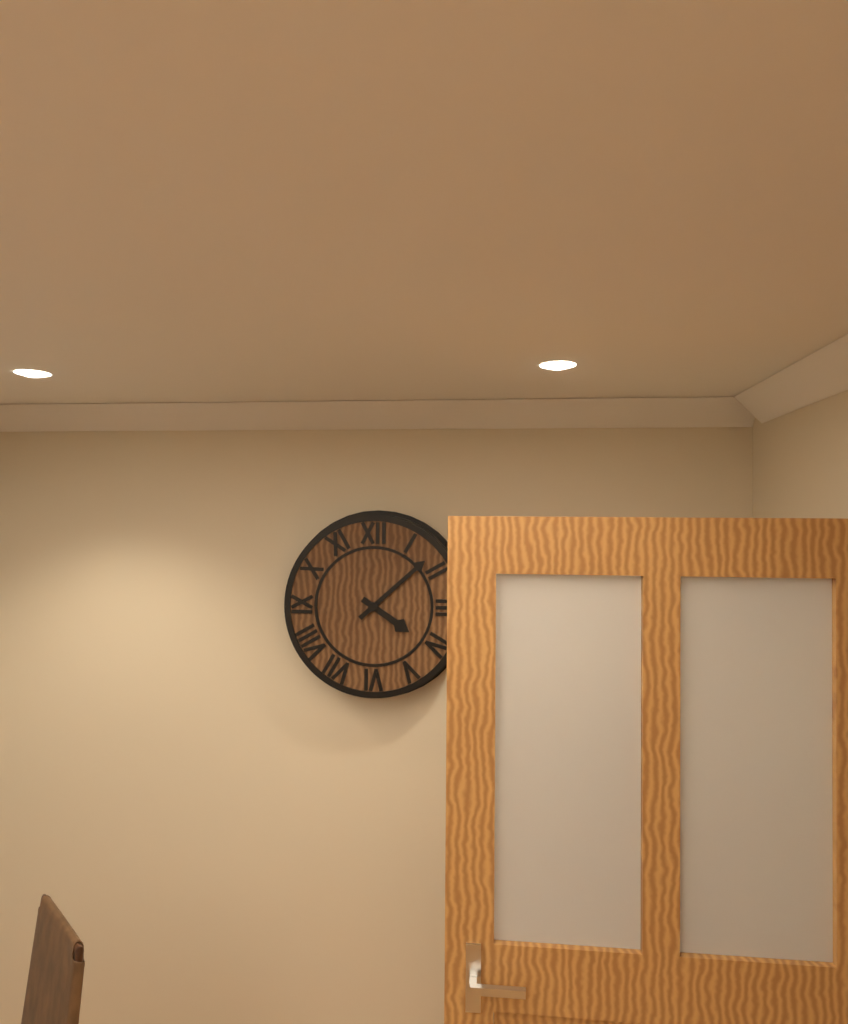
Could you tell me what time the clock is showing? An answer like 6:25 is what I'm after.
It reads 4:08
